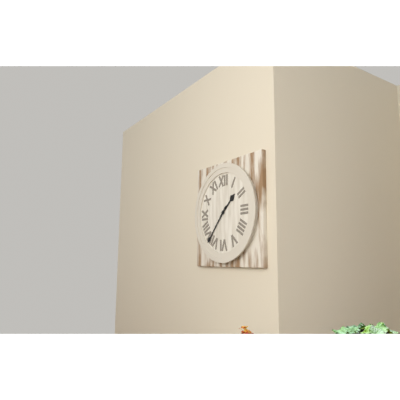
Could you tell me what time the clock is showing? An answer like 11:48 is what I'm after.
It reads 1:37
